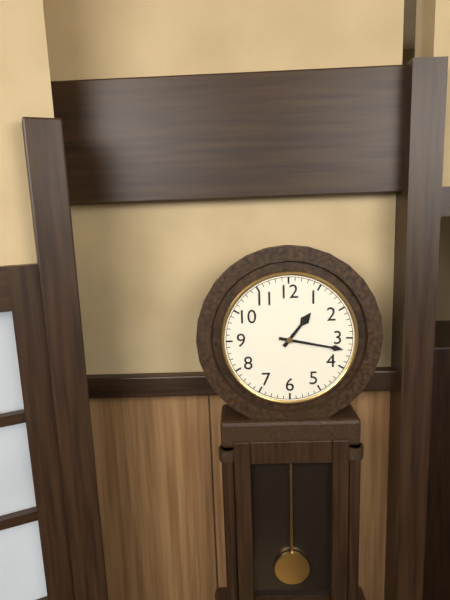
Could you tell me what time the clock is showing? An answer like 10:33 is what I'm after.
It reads 1:17
